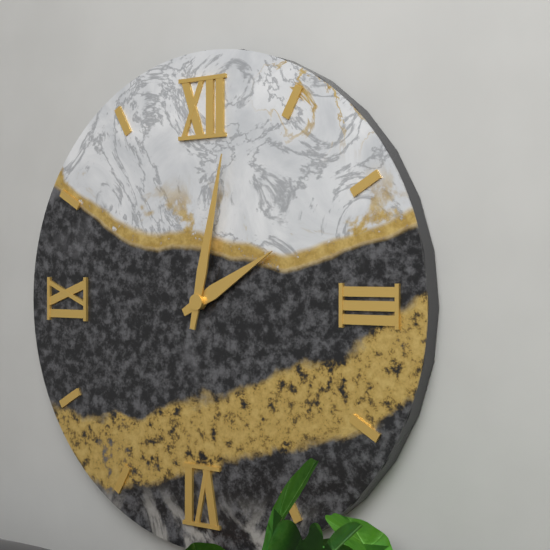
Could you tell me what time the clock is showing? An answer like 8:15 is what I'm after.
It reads 2:02
